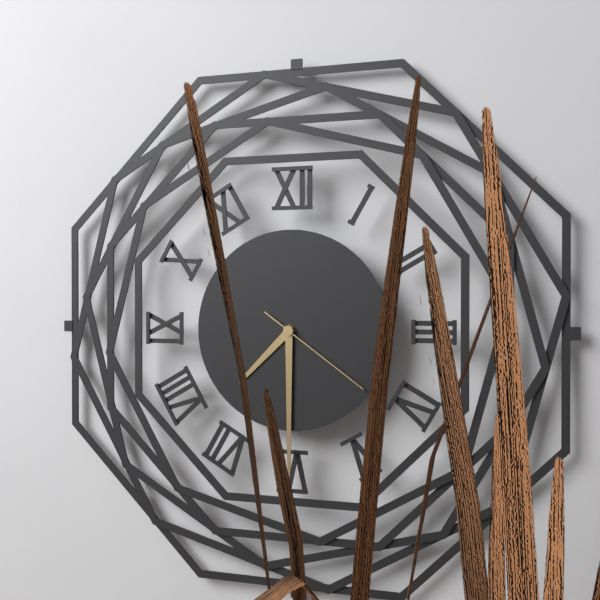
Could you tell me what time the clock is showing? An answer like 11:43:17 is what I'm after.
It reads 7:30:21
